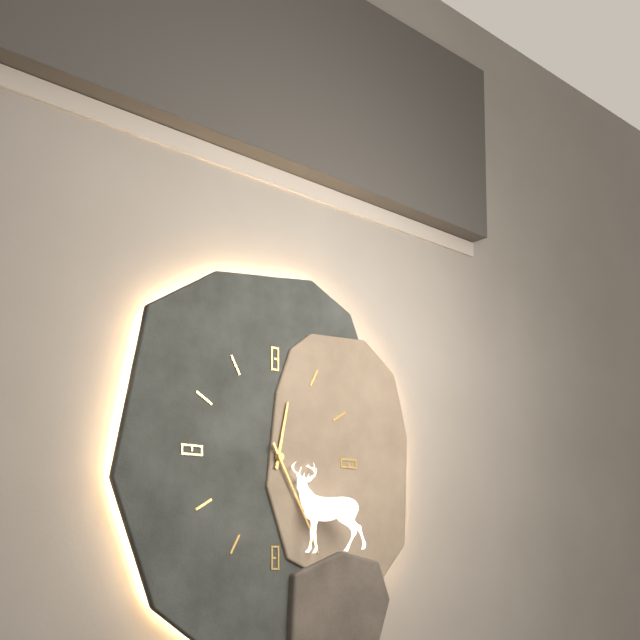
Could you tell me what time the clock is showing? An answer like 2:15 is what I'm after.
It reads 12:25
